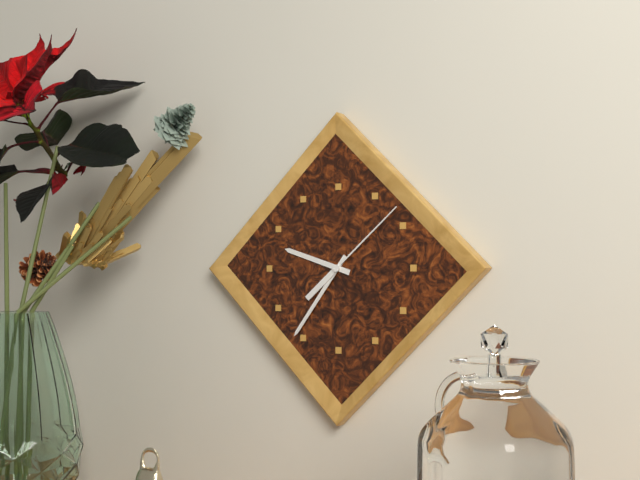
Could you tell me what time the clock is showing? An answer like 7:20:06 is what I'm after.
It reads 9:36:08
